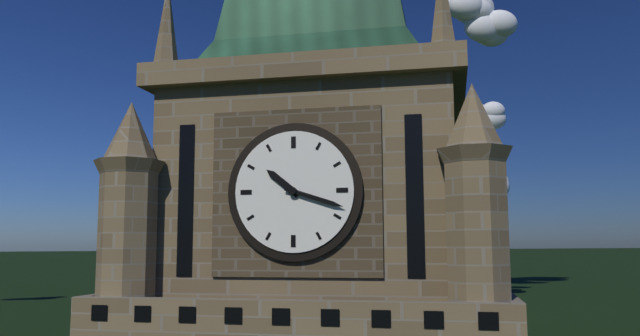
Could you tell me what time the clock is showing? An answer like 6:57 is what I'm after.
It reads 10:18
